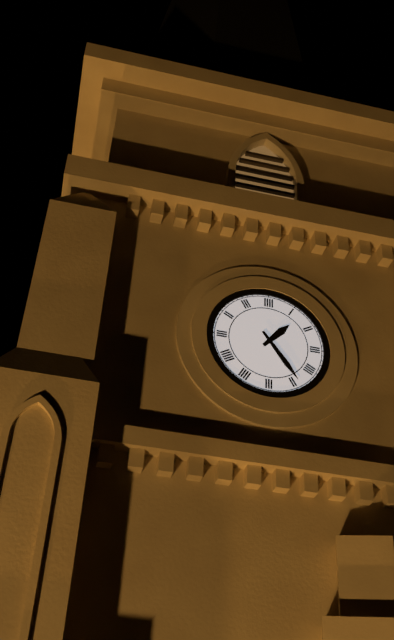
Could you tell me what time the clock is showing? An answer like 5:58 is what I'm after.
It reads 1:24
